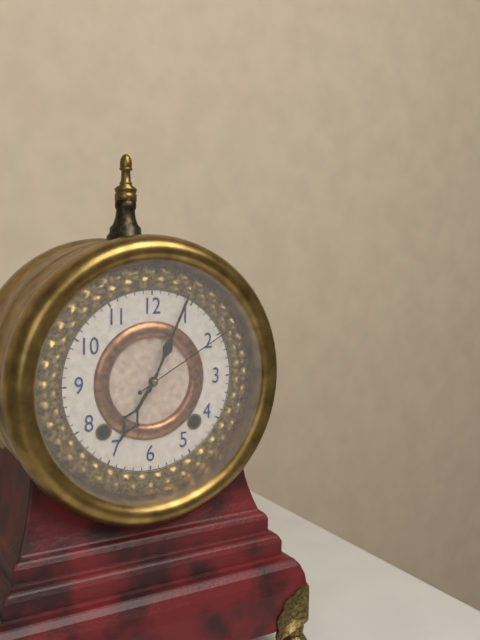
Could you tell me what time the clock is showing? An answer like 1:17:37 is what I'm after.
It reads 7:04:10
